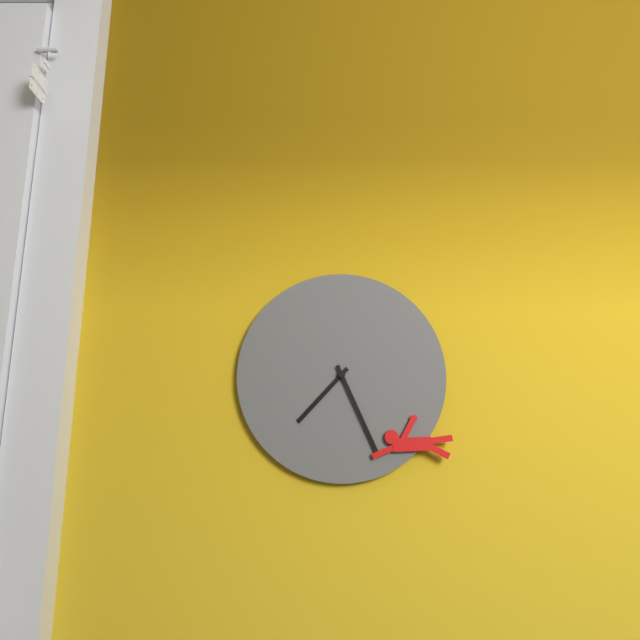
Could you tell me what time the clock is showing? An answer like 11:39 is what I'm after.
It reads 7:26
